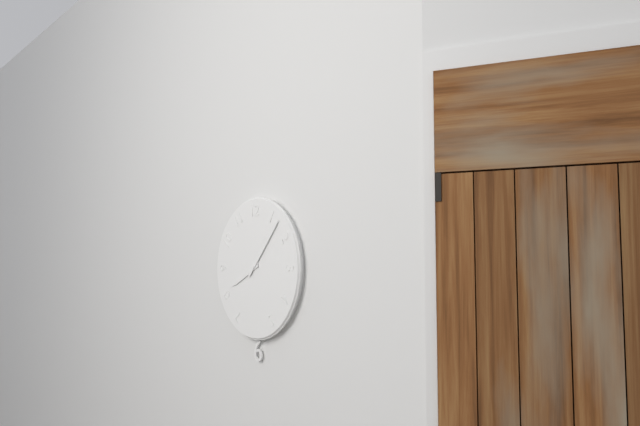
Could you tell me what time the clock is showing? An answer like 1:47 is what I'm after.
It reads 8:07
